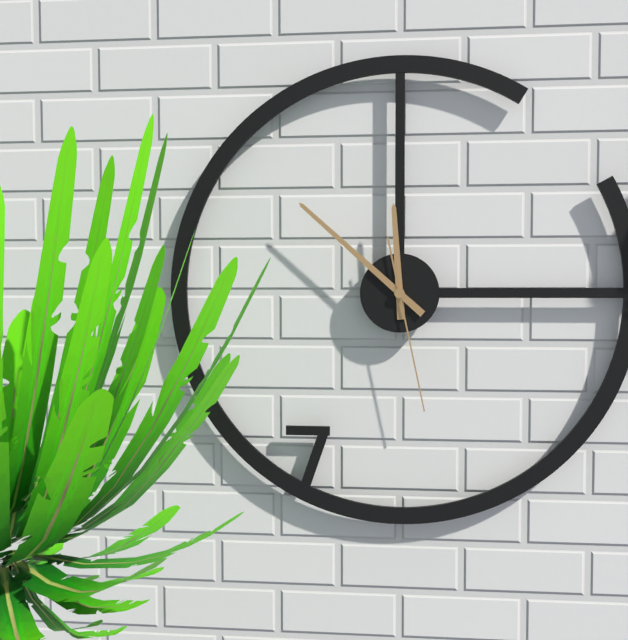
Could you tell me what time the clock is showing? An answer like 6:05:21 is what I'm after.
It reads 11:52:28
